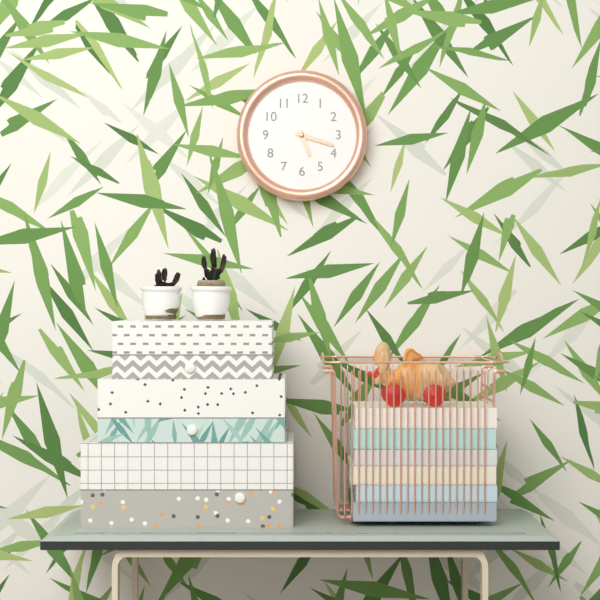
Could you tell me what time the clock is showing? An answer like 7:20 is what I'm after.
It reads 5:18
